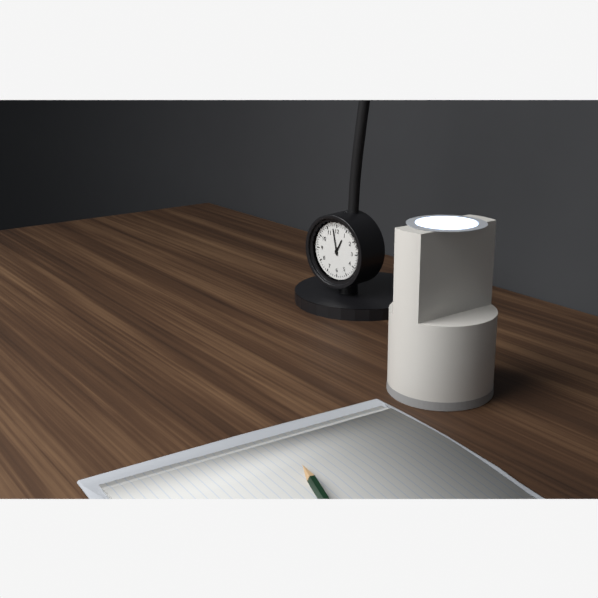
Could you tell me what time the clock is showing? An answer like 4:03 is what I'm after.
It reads 12:58
